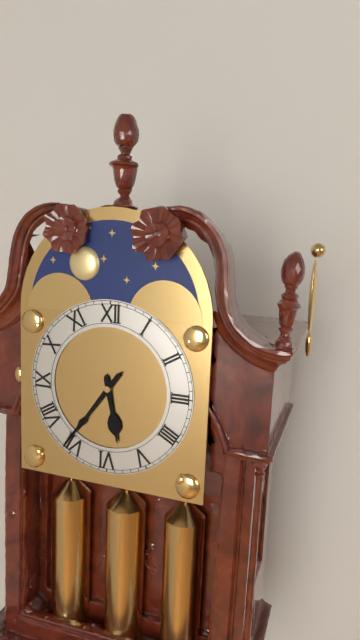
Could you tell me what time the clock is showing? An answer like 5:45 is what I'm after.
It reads 5:36
